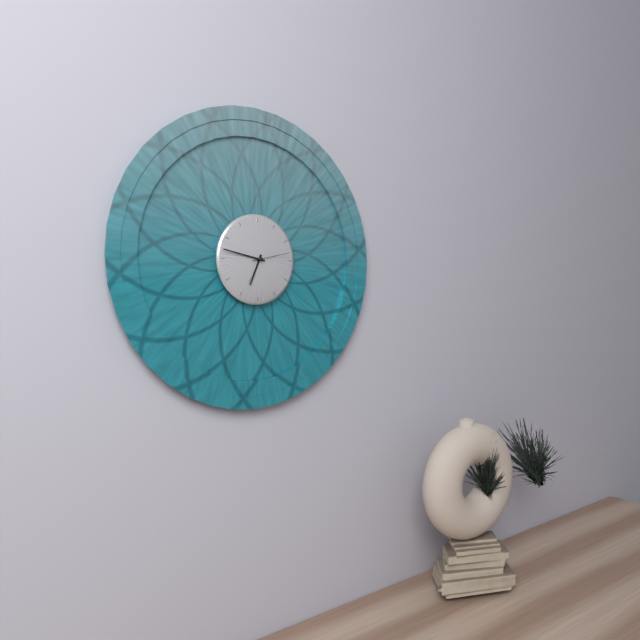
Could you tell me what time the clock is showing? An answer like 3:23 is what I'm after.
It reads 6:47
